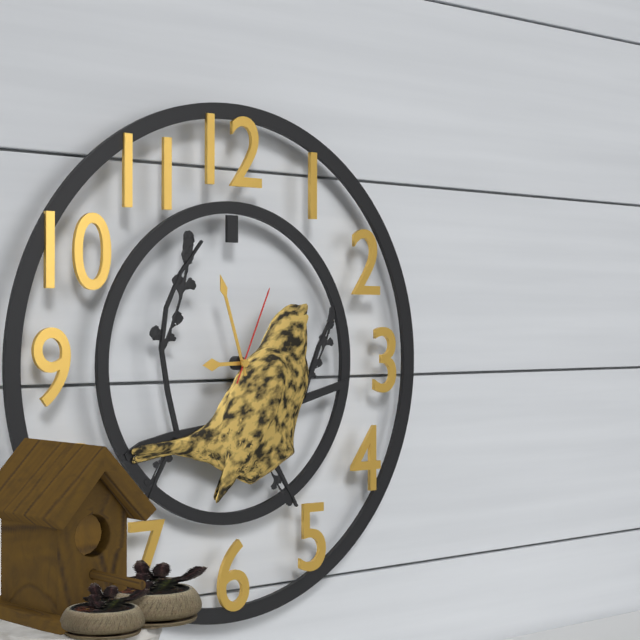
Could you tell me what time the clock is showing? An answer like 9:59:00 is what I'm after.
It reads 8:57:04
